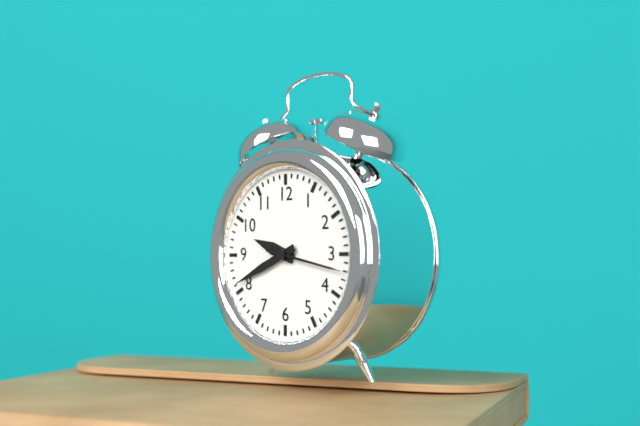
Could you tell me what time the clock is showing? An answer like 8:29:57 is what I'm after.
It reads 9:41:17
